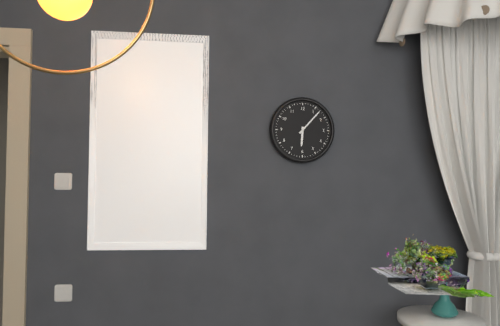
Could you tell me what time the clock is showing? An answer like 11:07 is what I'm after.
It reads 6:07
